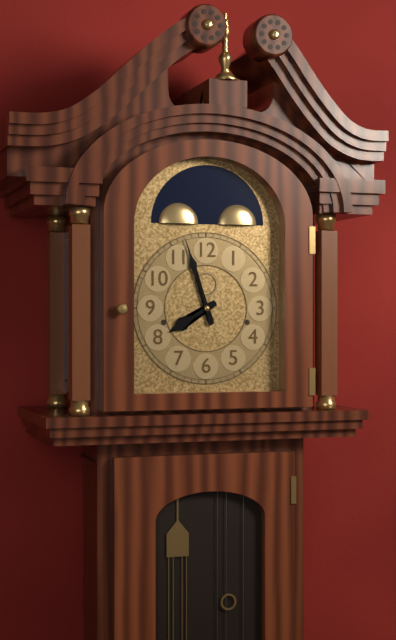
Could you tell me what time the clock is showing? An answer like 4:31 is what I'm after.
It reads 7:57
